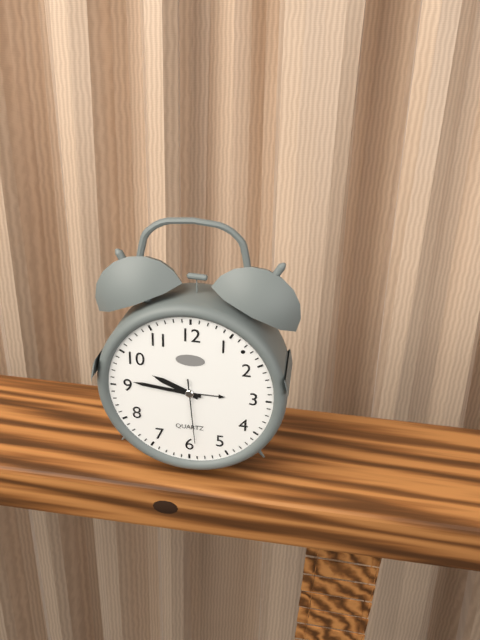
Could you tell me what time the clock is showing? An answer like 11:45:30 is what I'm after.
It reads 9:46:29
